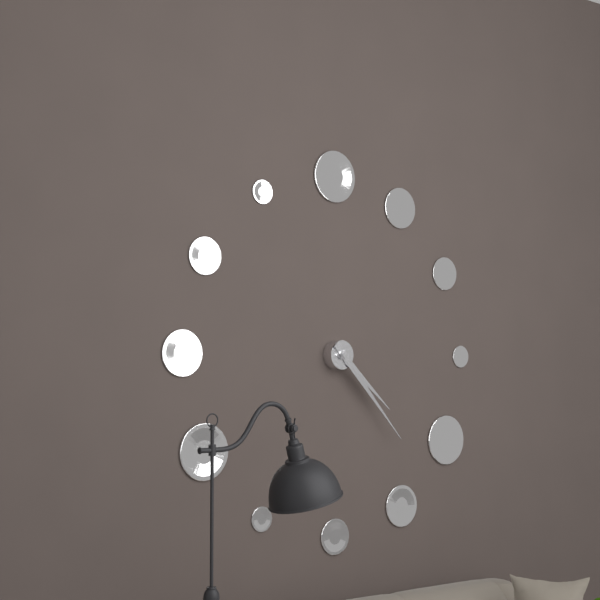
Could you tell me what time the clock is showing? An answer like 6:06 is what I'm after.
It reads 4:23
